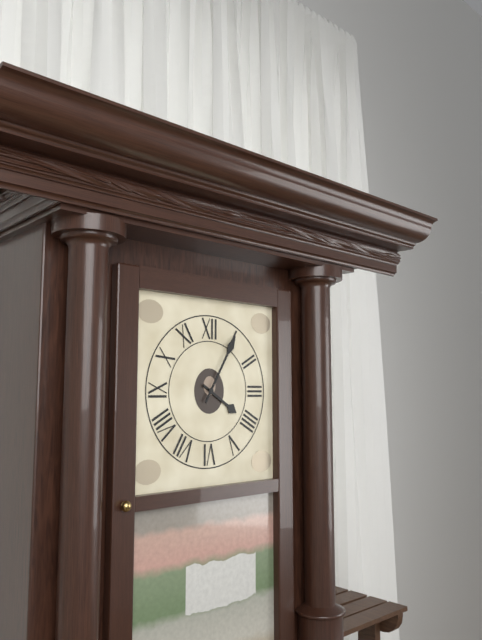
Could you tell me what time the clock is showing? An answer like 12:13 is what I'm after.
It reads 4:05
